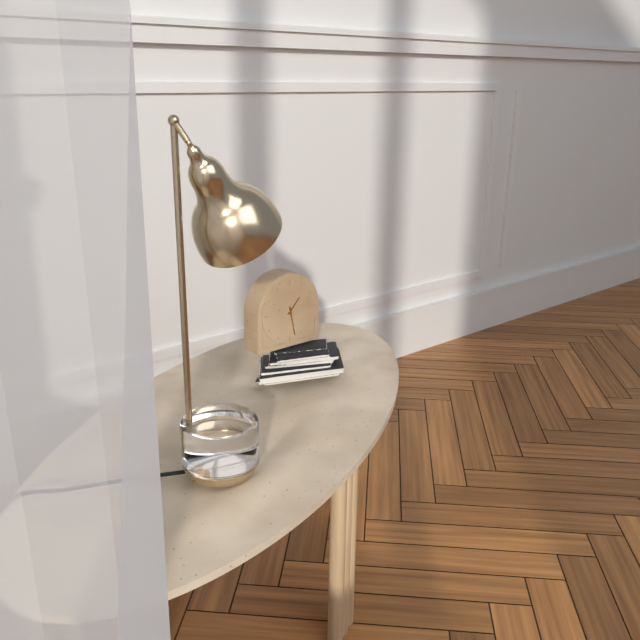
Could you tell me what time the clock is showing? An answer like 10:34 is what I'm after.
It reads 1:28
